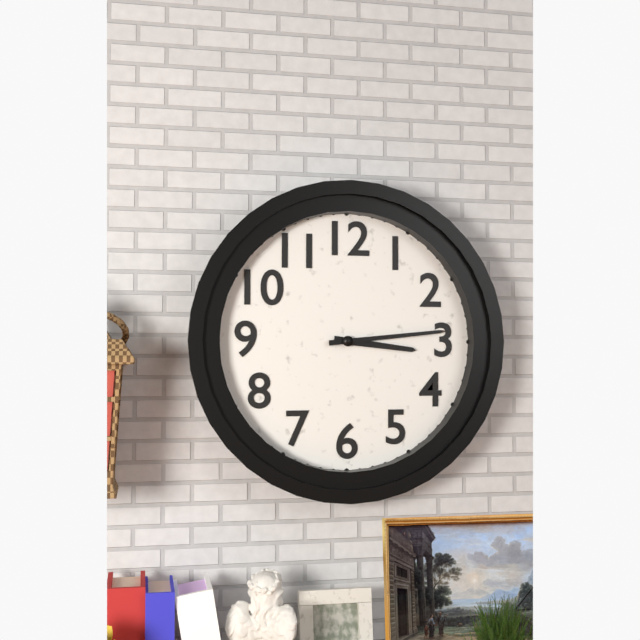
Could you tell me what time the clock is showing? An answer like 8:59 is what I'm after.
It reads 3:14
